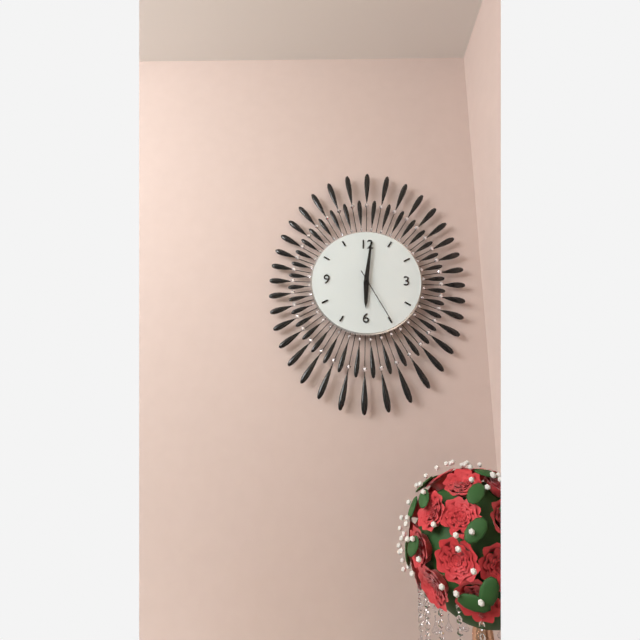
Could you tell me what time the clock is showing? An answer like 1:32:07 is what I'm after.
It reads 6:01:25
